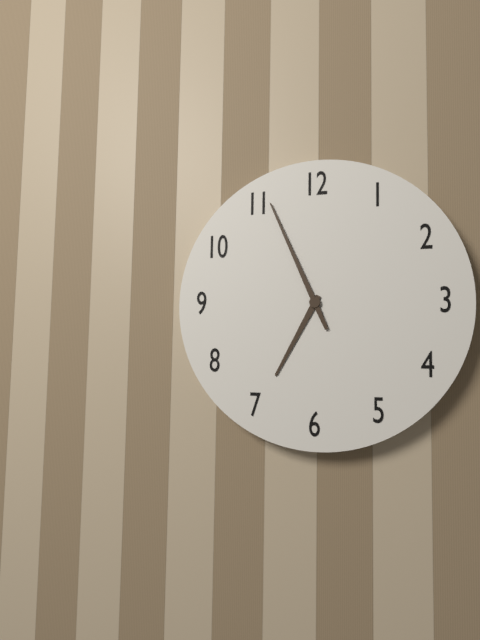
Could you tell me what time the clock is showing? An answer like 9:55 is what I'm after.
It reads 6:56
